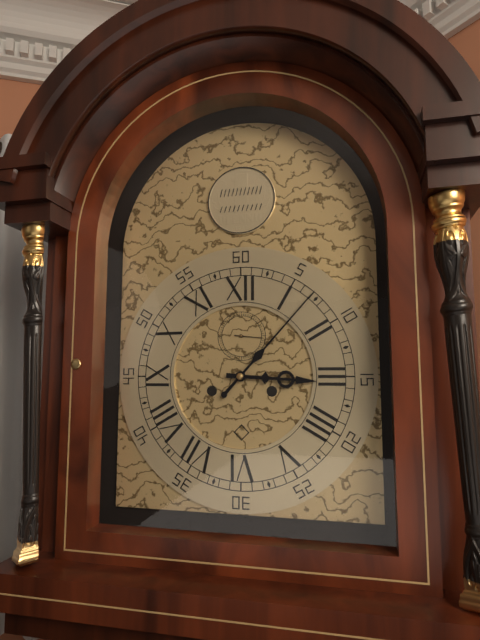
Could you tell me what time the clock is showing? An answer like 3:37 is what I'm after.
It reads 3:07
